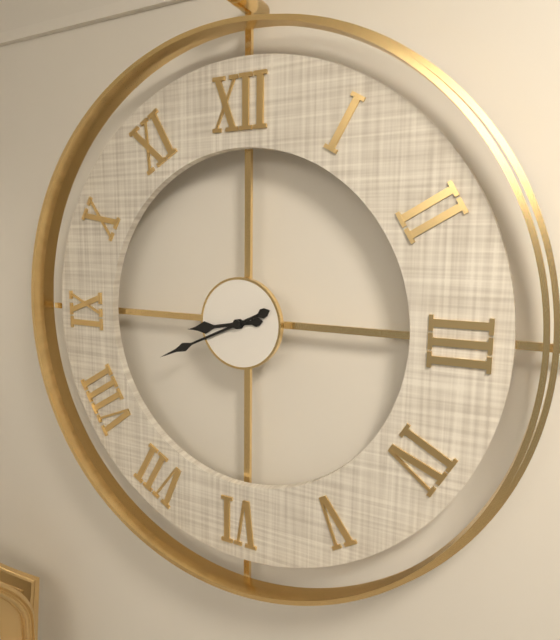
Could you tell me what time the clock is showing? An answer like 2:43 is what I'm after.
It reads 8:41
